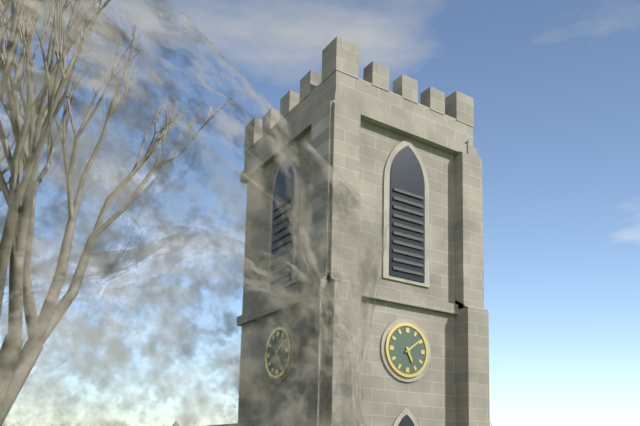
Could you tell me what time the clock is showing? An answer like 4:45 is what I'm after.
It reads 5:09
